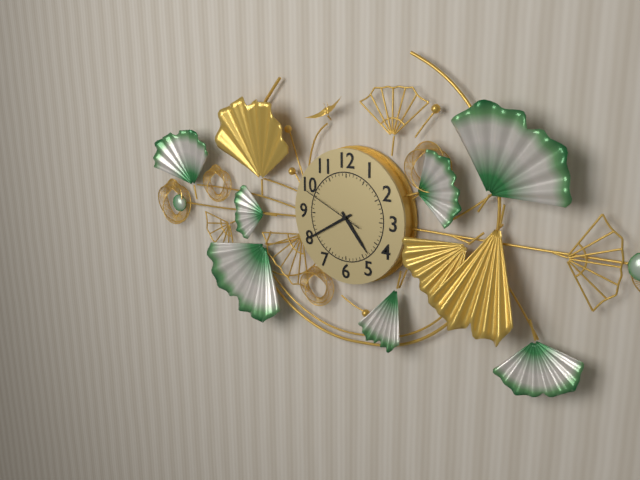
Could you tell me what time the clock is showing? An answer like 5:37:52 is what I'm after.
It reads 4:40:49
